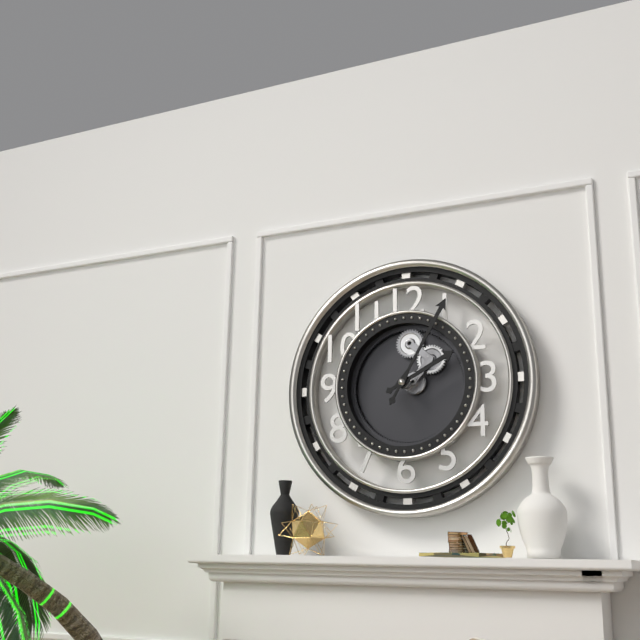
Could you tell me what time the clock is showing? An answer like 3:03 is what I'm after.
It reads 2:05
